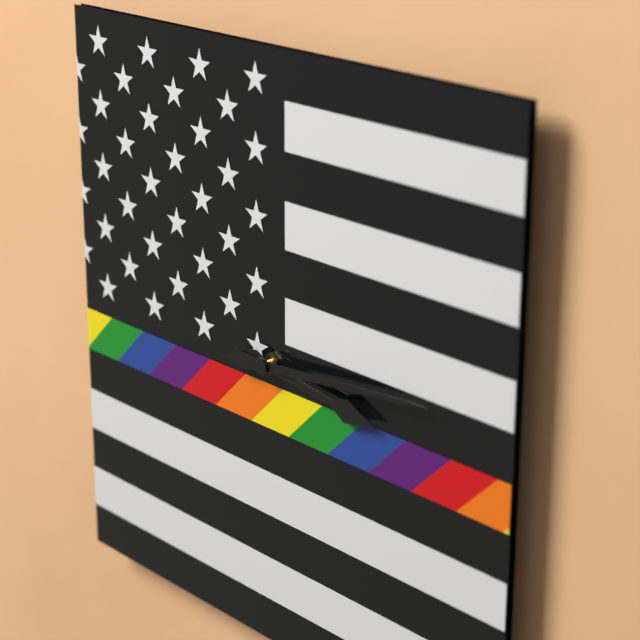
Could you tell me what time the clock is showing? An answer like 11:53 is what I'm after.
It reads 3:14
